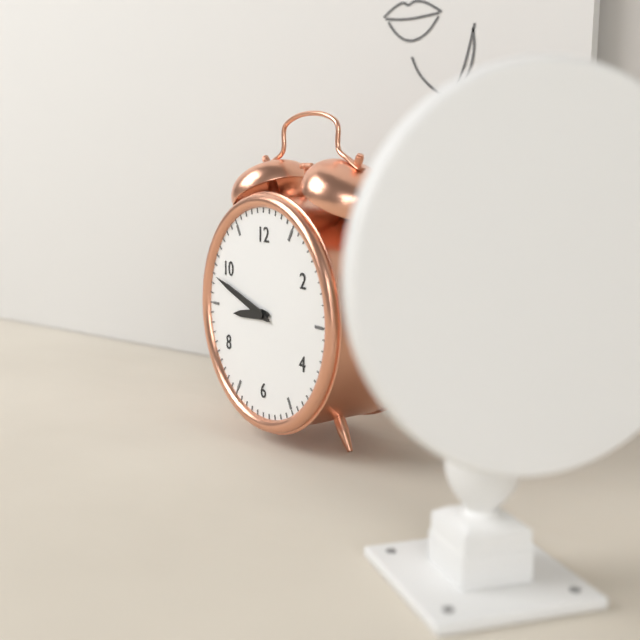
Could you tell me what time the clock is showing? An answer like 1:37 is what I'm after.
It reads 8:48
